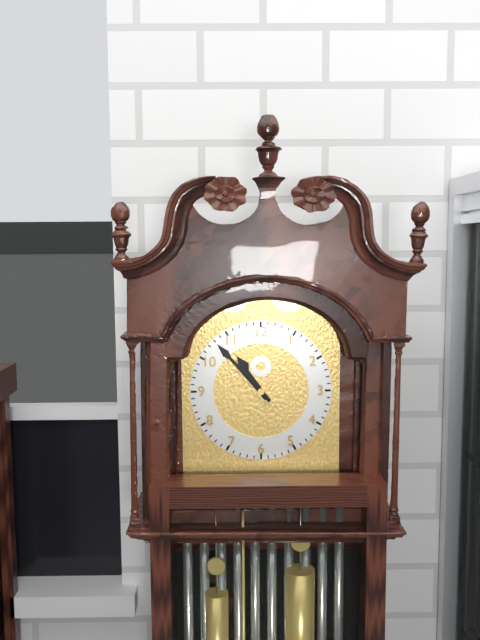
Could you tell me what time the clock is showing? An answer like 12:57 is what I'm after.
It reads 10:53
